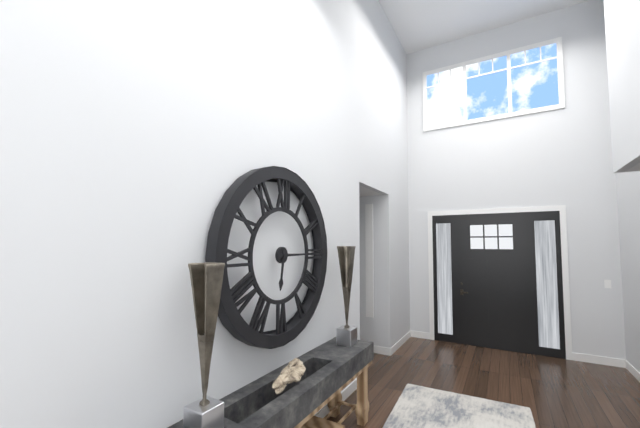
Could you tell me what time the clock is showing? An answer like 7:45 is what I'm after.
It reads 6:15
